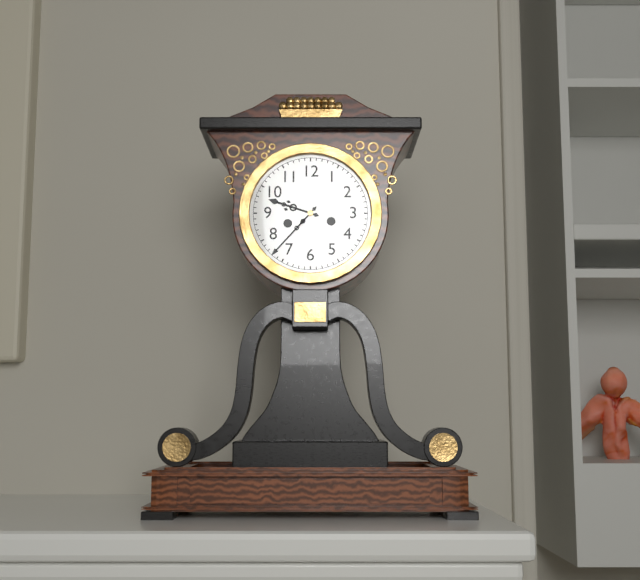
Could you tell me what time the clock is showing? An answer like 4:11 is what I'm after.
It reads 9:37
